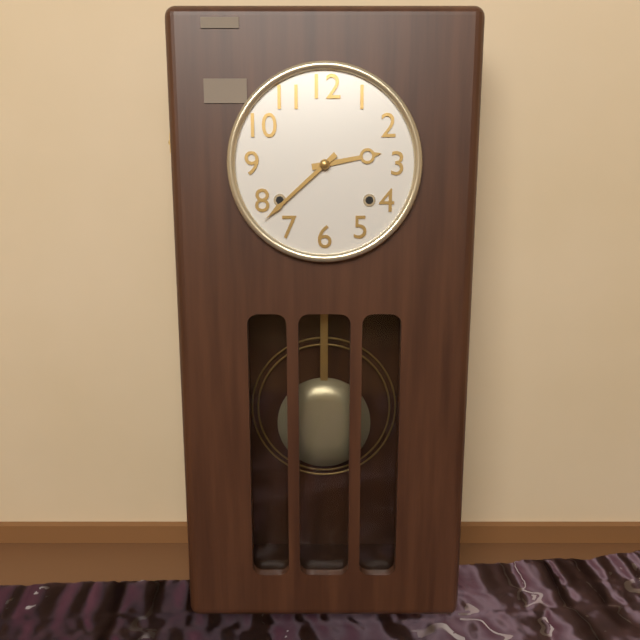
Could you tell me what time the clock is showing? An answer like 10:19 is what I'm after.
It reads 2:38
